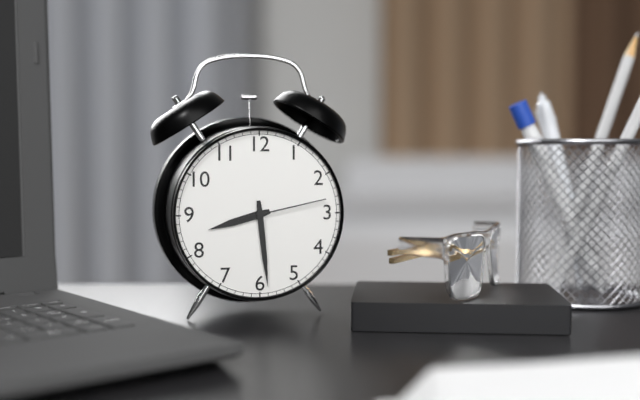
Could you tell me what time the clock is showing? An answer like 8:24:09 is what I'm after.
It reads 8:29:13
